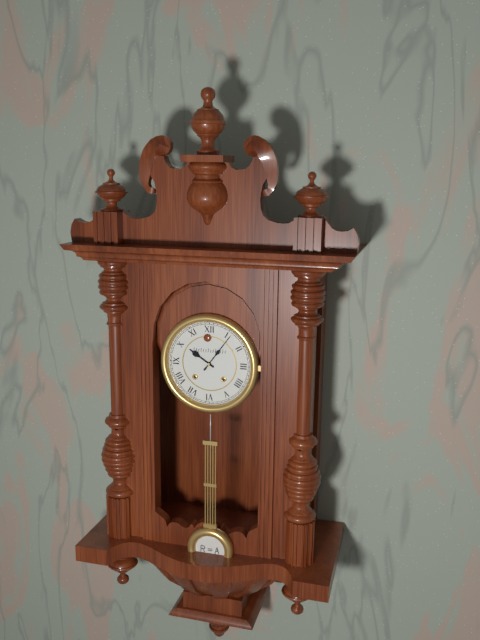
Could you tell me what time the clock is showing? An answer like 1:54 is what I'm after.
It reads 10:06
